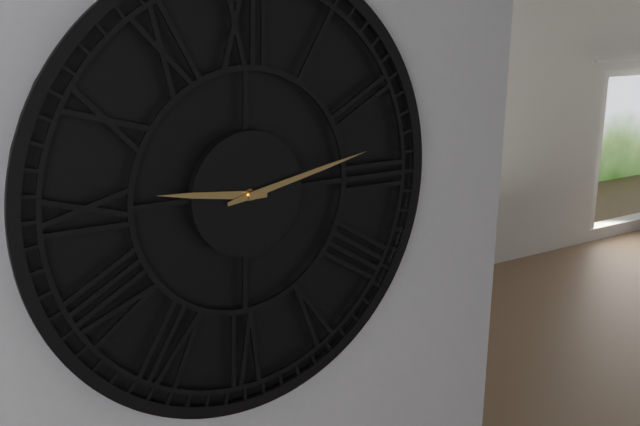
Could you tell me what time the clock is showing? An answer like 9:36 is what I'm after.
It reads 9:13
